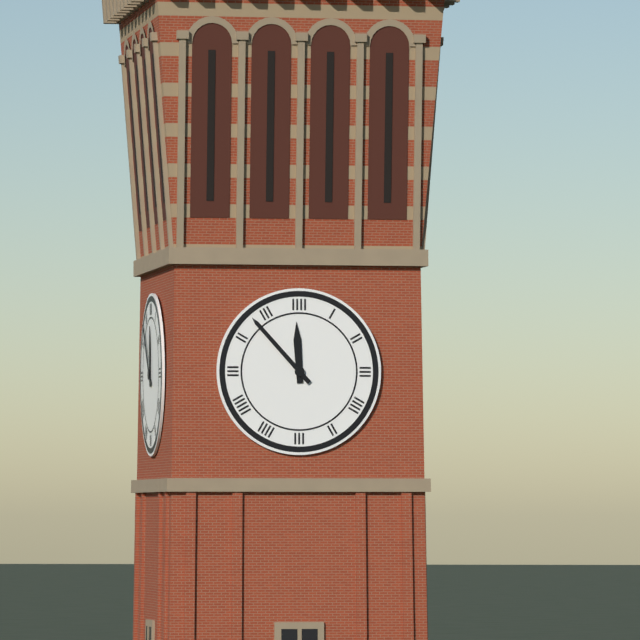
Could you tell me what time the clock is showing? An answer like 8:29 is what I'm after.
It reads 11:53
